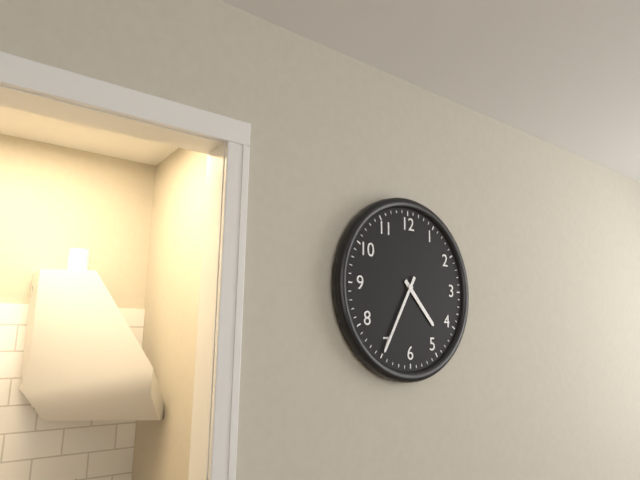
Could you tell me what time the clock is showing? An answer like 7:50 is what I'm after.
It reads 4:35
